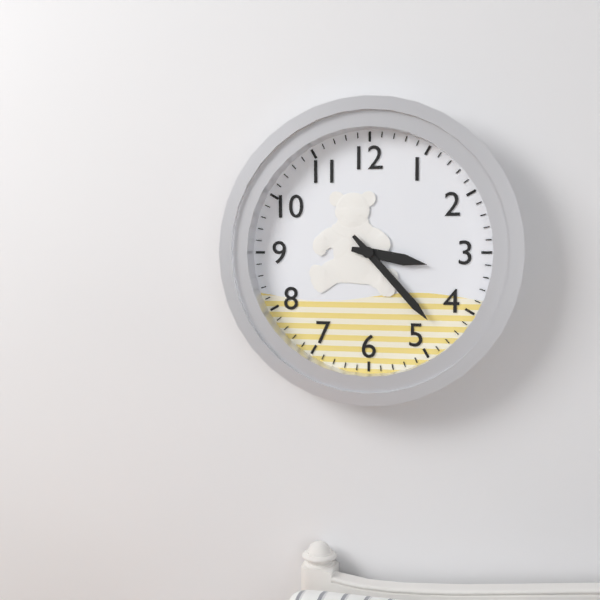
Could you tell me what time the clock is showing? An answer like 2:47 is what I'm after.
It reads 3:23
